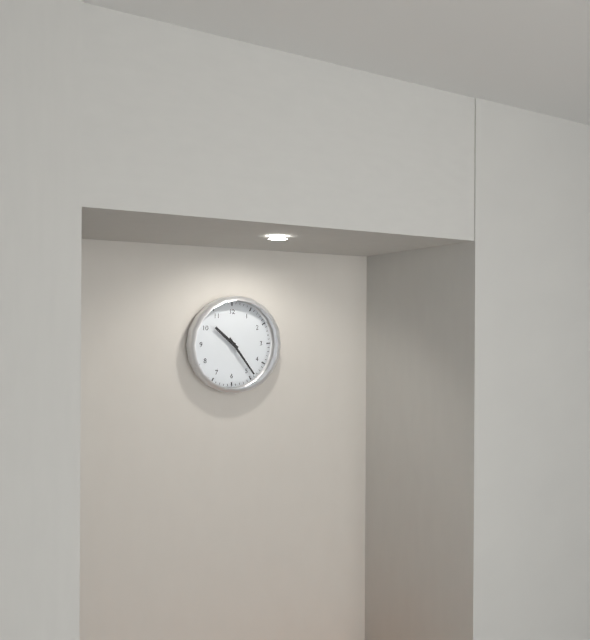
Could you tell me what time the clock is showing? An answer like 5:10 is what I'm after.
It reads 10:24
